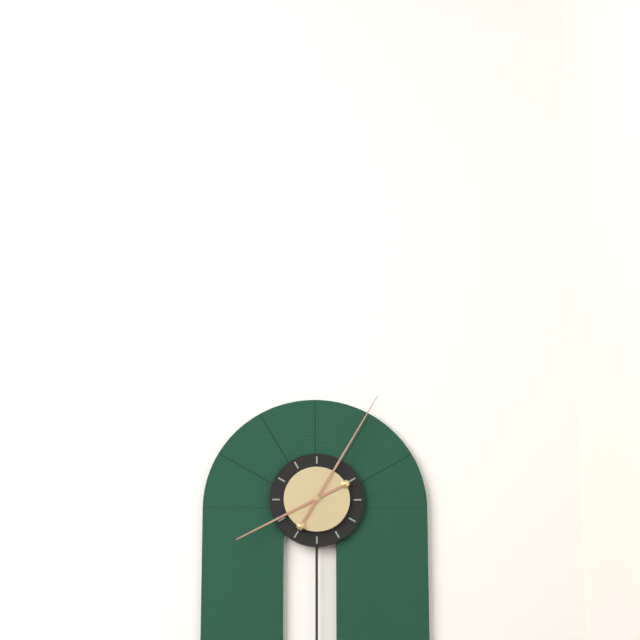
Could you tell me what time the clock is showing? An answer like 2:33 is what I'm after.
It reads 8:05
